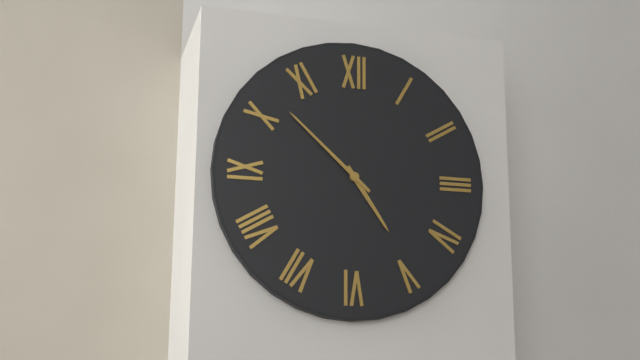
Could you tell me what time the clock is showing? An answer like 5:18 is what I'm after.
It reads 4:52
